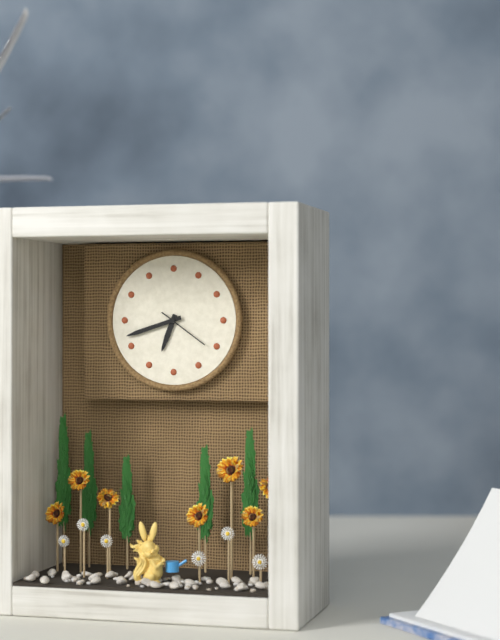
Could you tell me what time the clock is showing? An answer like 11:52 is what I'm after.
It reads 6:42
